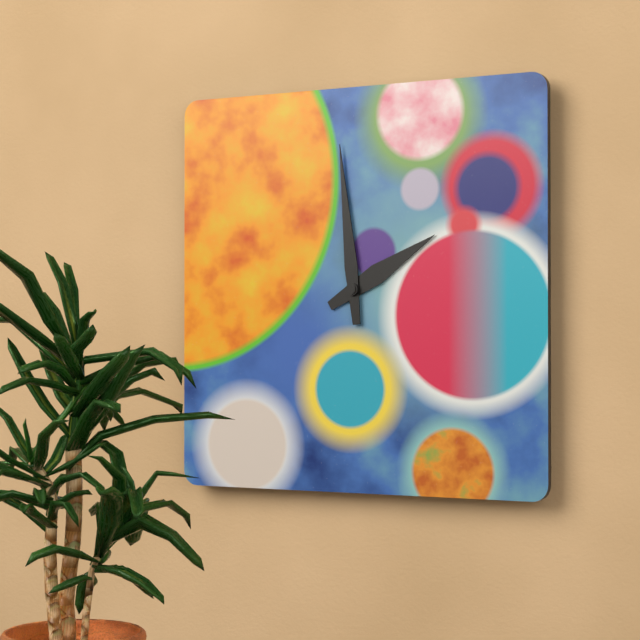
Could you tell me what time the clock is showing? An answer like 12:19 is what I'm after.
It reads 1:59
